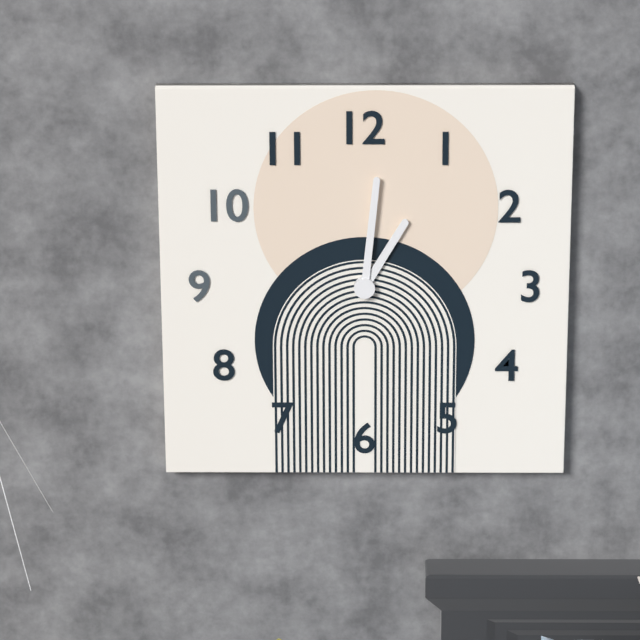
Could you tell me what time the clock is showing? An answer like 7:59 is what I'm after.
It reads 1:01
